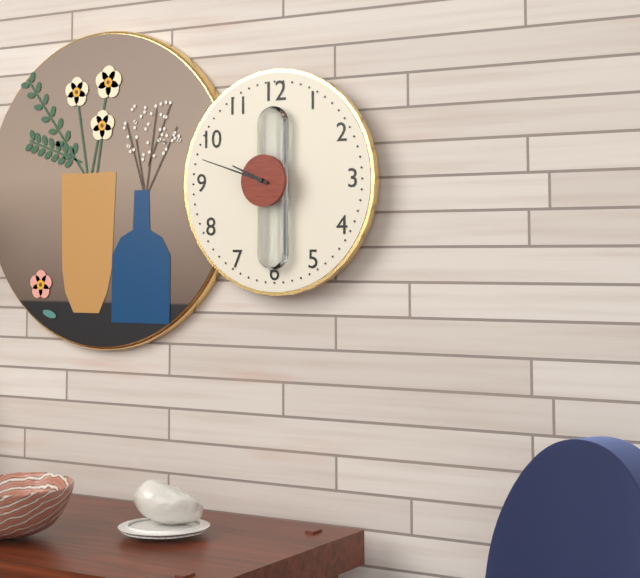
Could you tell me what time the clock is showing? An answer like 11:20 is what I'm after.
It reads 9:48
